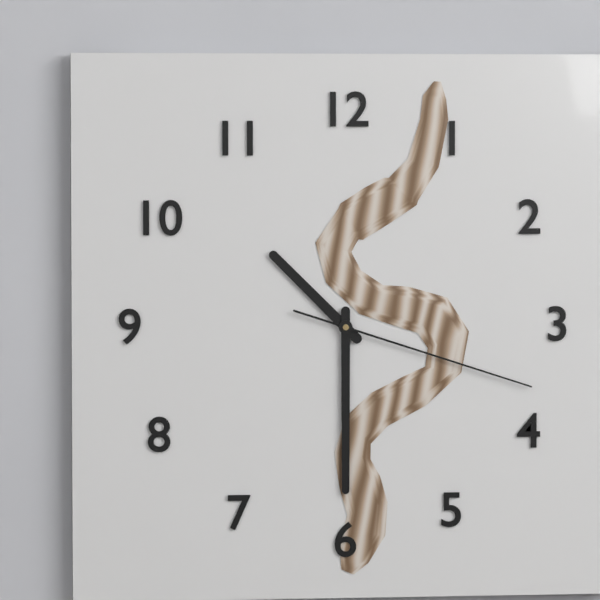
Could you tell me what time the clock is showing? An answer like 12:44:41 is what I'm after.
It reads 10:30:18
